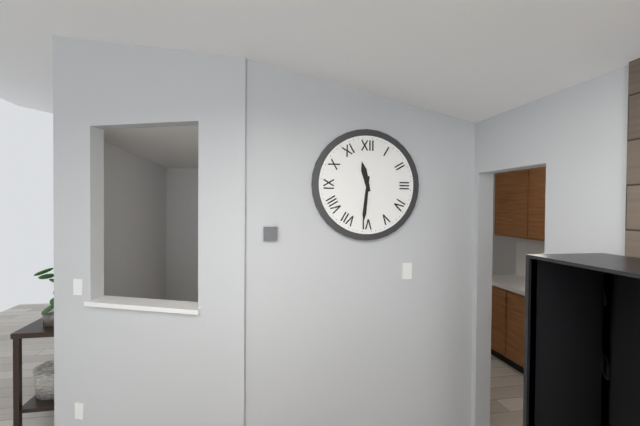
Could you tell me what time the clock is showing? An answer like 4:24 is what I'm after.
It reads 11:31
